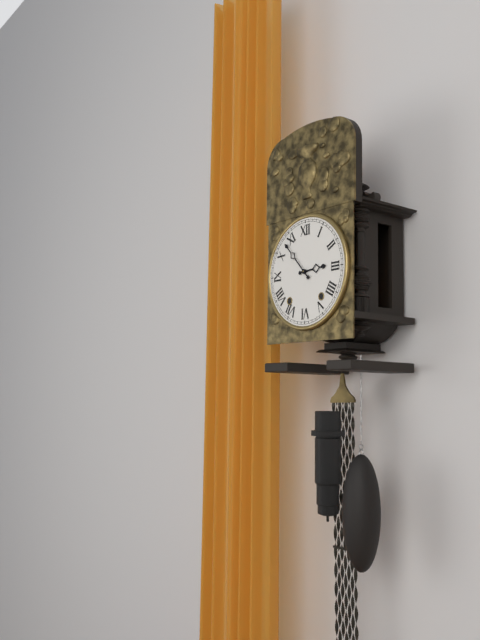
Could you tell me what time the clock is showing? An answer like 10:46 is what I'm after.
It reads 2:53
